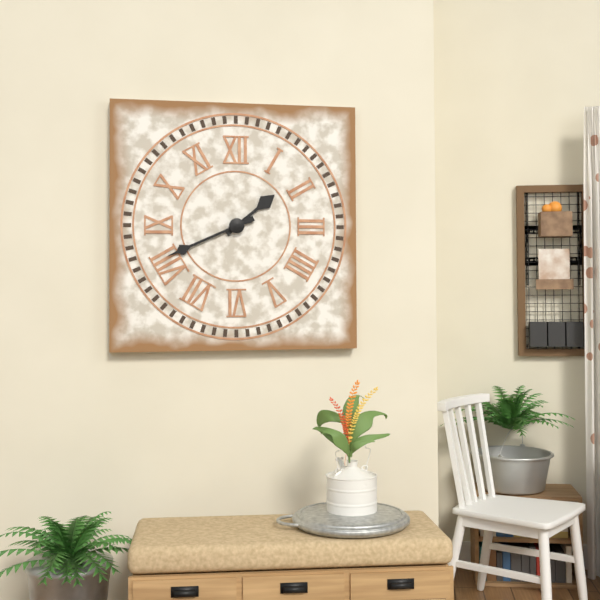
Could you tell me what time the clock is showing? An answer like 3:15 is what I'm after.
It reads 1:41
